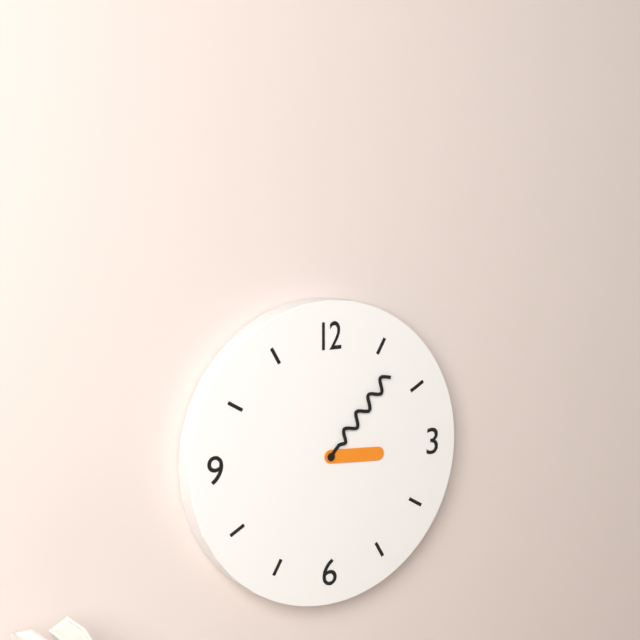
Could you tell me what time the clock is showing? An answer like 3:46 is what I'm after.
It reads 3:07
